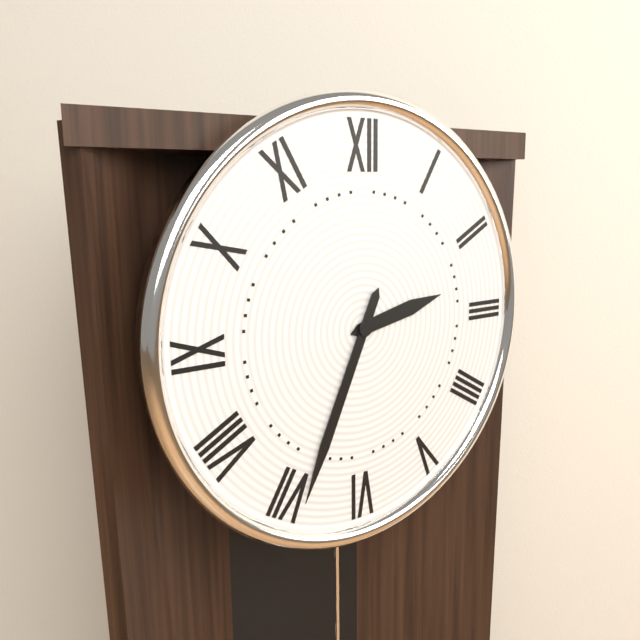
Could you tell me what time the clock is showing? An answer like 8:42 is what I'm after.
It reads 2:34
